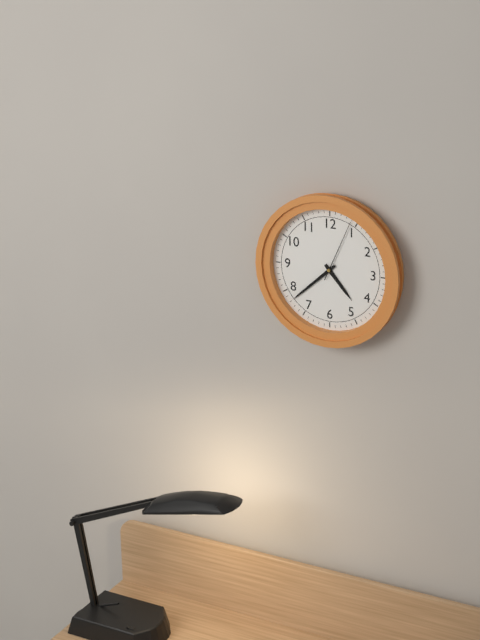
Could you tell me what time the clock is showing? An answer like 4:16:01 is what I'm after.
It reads 4:38:04
